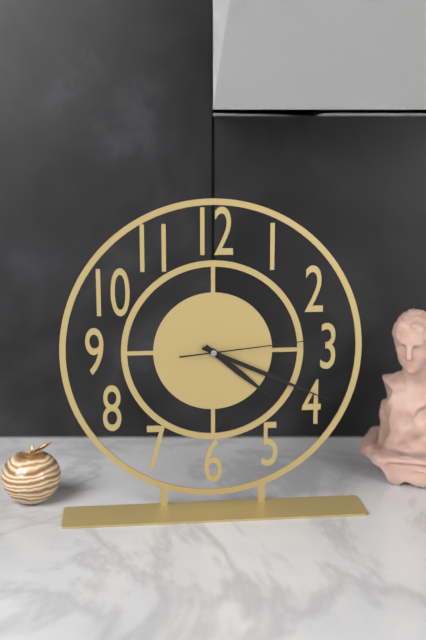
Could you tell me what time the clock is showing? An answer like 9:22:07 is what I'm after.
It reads 4:19:14
